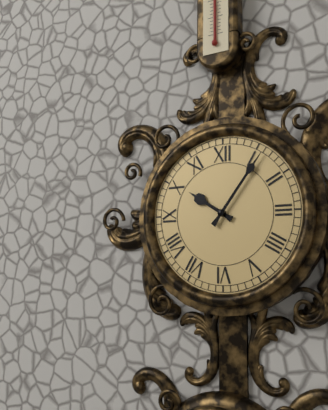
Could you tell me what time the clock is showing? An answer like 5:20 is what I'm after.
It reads 10:06
